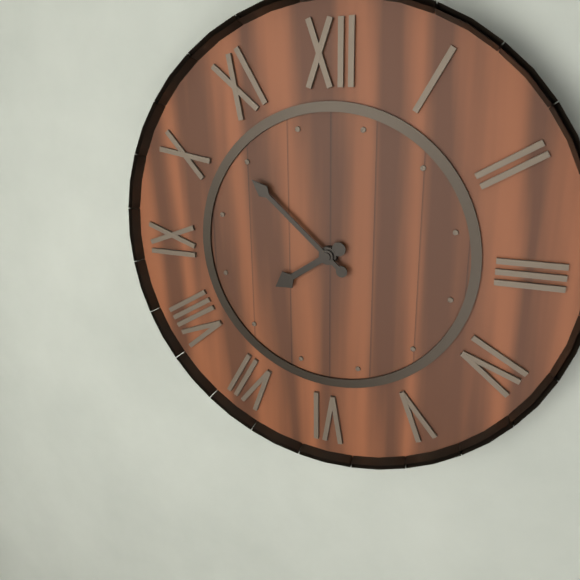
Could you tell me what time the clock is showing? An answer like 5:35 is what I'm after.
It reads 7:52
